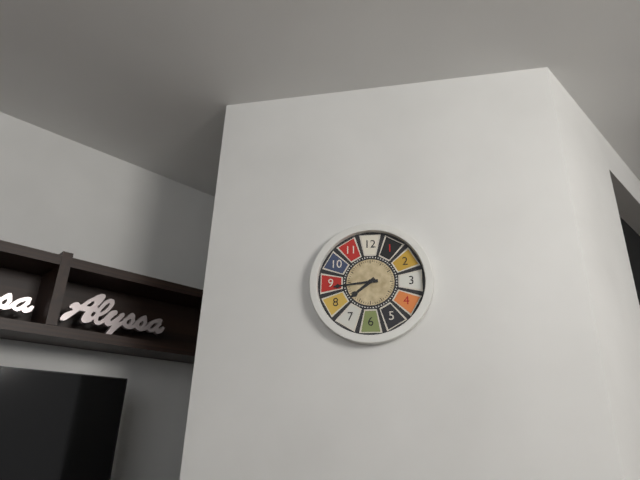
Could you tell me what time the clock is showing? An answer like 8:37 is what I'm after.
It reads 7:44
